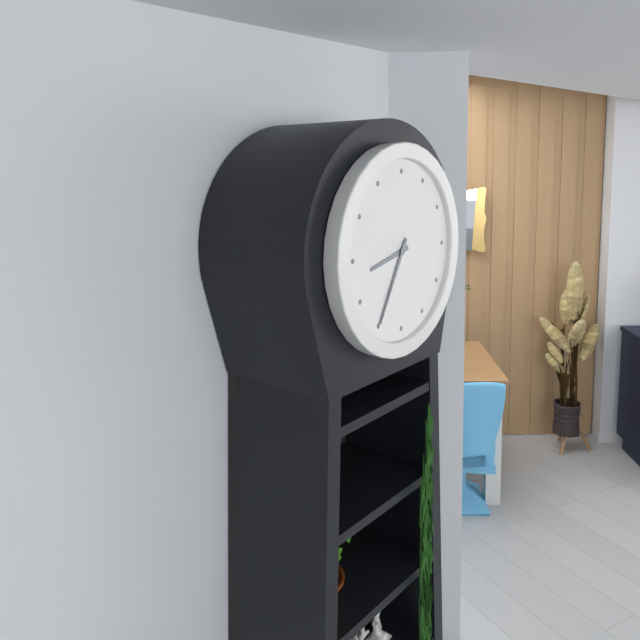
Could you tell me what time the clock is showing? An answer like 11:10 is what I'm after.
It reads 8:35
